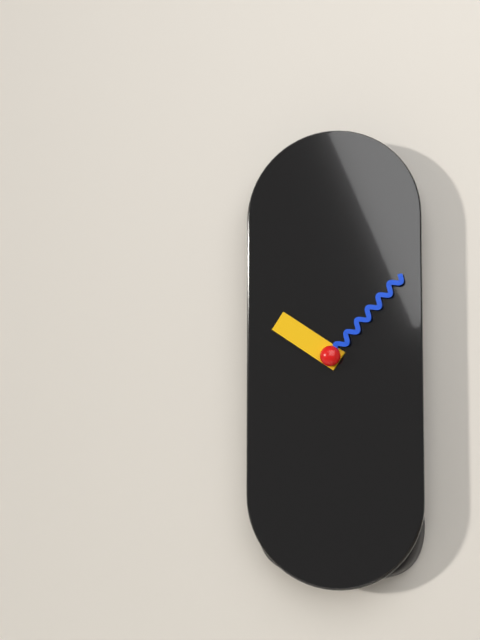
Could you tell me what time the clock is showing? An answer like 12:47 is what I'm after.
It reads 10:07
